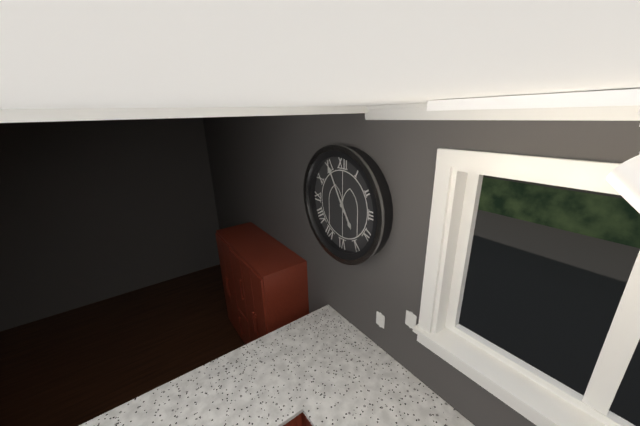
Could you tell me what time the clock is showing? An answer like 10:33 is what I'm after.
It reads 4:55
